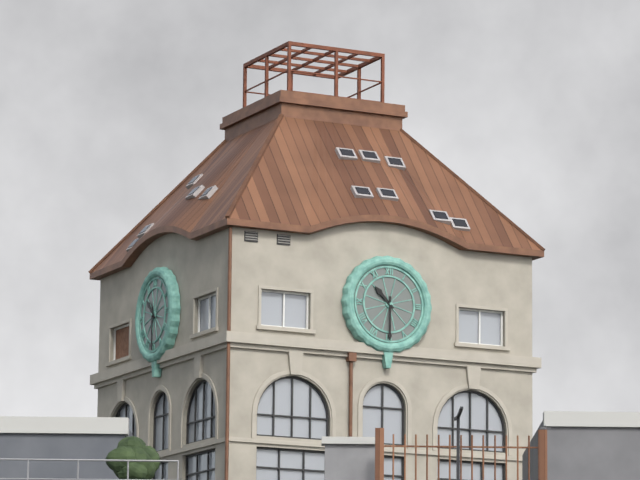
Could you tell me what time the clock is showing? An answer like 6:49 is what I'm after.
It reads 10:30
